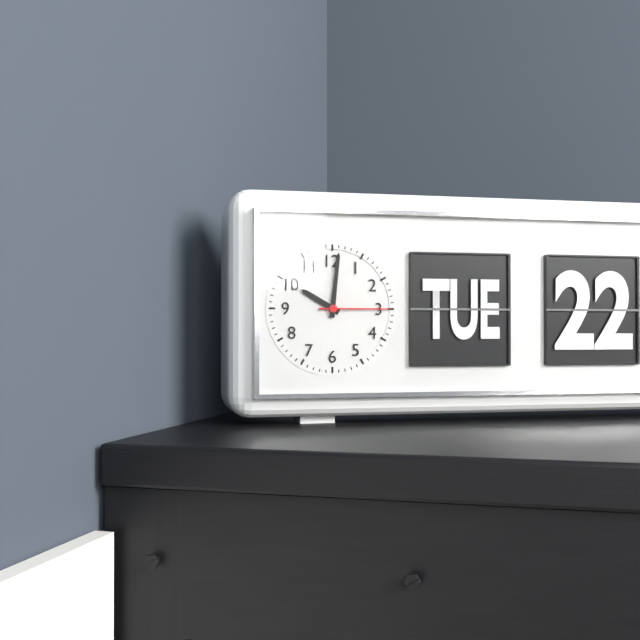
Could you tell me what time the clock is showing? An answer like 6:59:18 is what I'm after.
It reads 10:01:15
